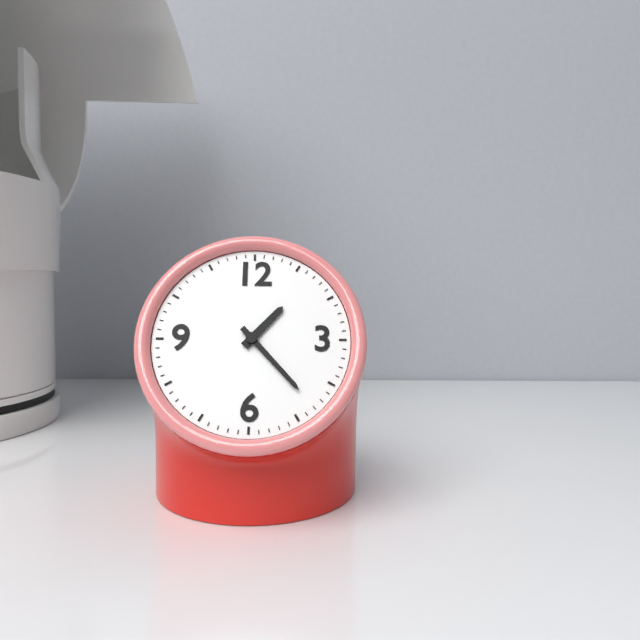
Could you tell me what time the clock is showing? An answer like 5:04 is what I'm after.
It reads 1:23
